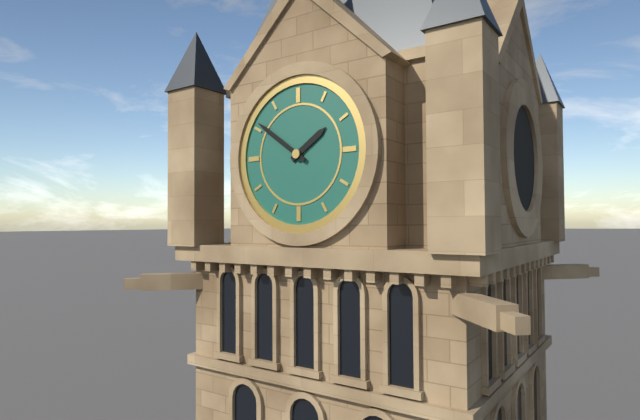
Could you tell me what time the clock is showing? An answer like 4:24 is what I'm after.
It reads 1:51
